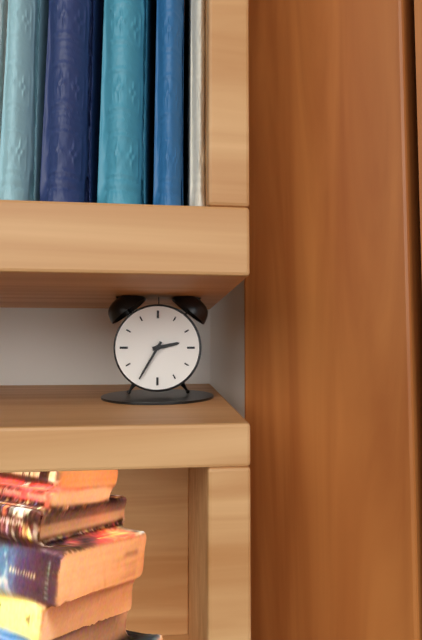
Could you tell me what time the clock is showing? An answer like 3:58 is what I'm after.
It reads 2:35
